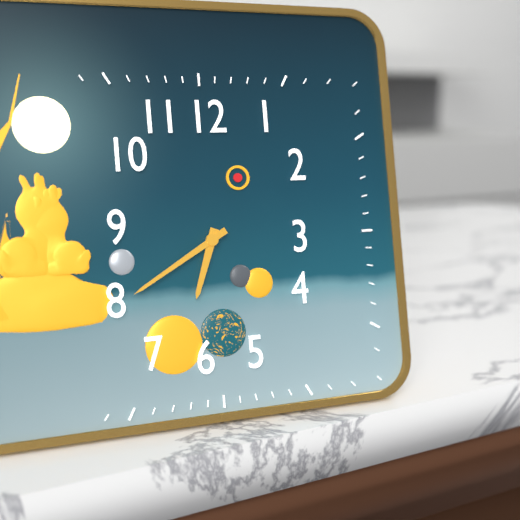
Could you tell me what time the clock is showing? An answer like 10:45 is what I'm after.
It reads 6:40
